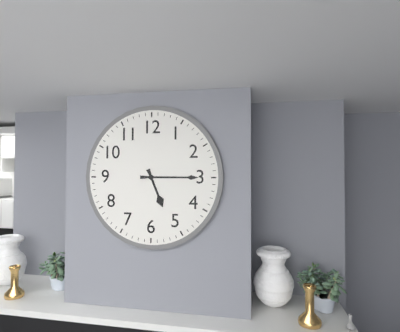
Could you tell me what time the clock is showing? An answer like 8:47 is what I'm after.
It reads 5:15
